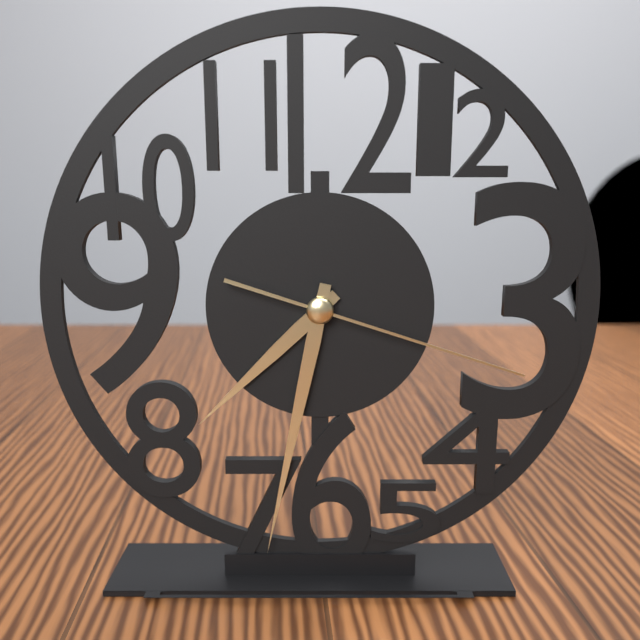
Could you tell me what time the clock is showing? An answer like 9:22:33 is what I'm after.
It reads 7:32:18
